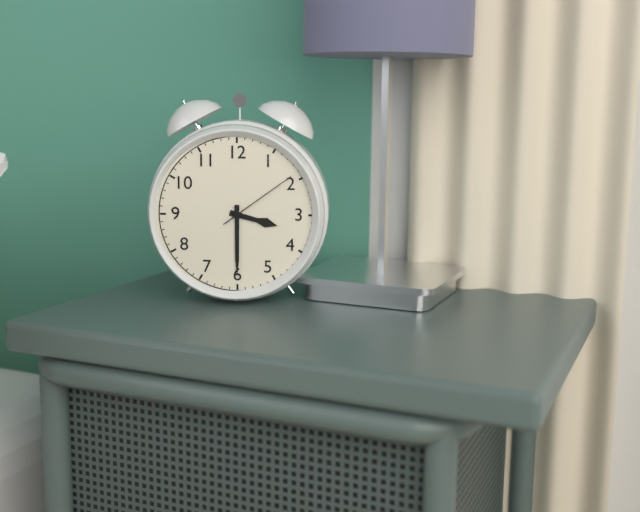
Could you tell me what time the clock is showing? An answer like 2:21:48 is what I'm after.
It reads 3:30:09
